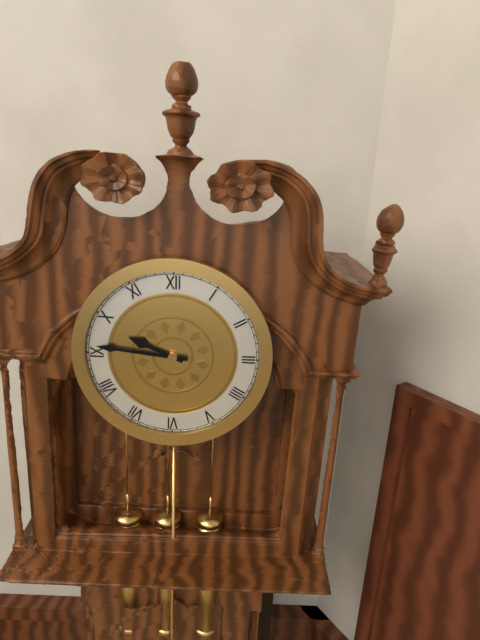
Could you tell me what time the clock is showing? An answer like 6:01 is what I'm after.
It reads 9:46
